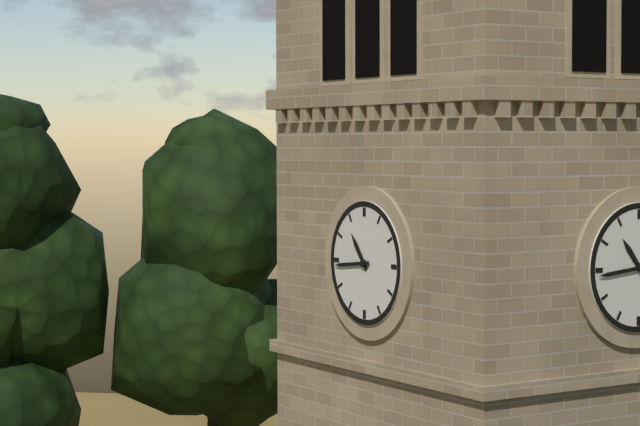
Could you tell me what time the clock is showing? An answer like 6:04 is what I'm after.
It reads 10:44
